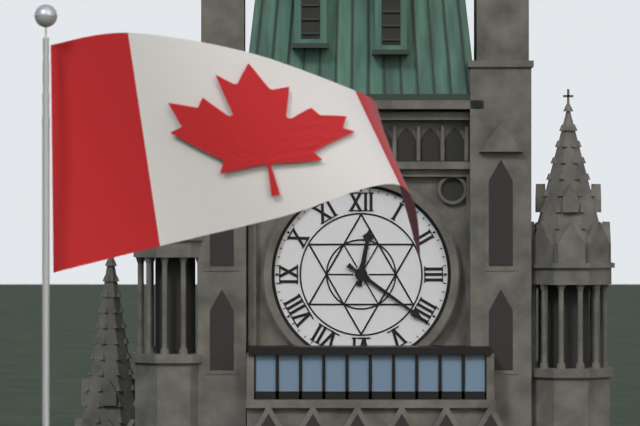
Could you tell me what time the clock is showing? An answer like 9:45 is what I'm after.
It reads 12:21
